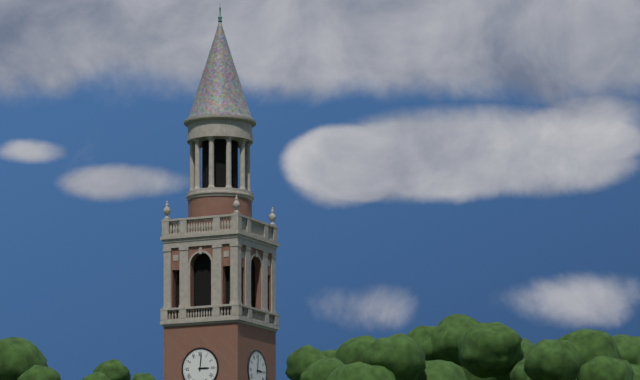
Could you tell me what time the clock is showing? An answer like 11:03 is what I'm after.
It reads 3:01
